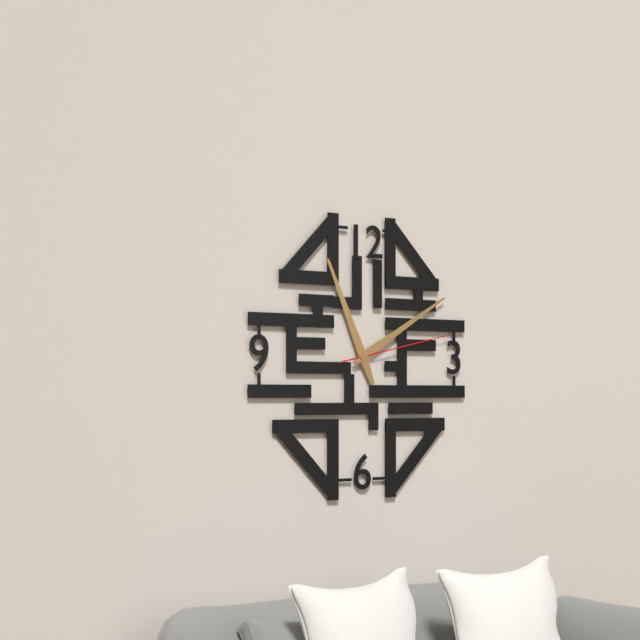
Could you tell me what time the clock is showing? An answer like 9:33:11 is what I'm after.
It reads 11:10:13
